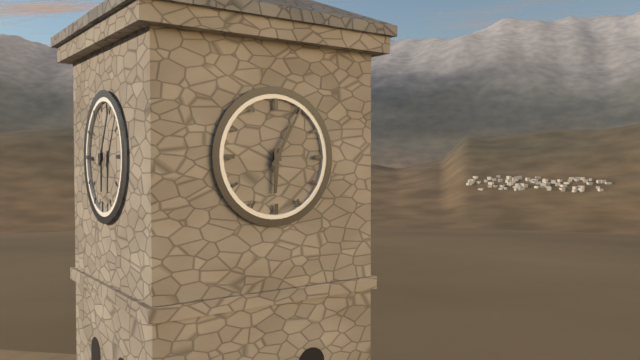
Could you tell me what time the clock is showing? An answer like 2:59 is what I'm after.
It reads 6:05
